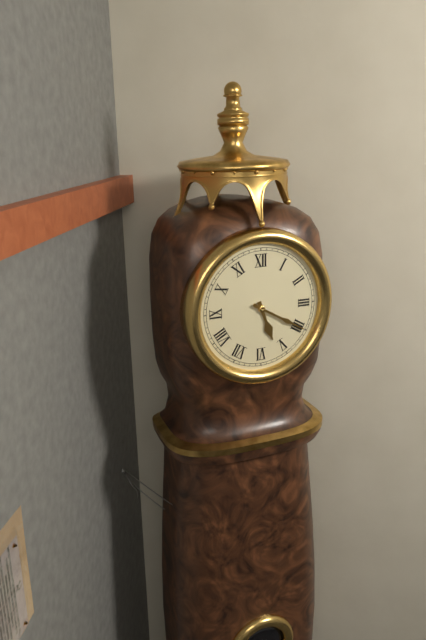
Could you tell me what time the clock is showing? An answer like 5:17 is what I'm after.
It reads 5:20
